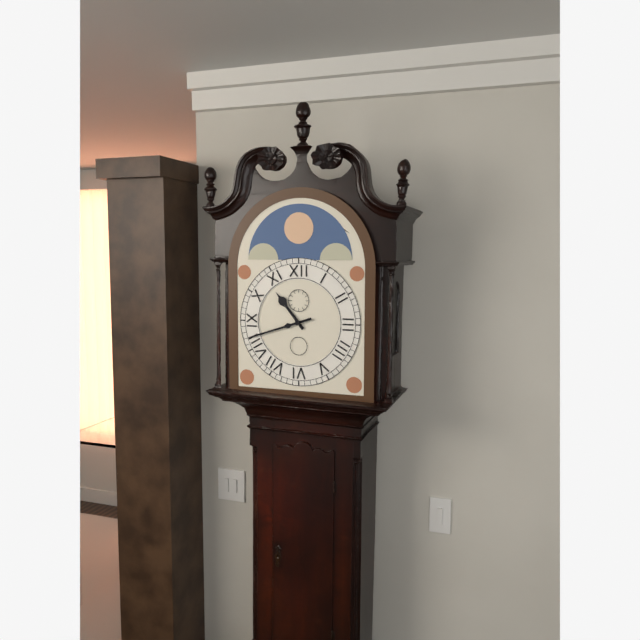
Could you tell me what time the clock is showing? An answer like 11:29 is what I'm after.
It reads 10:42
